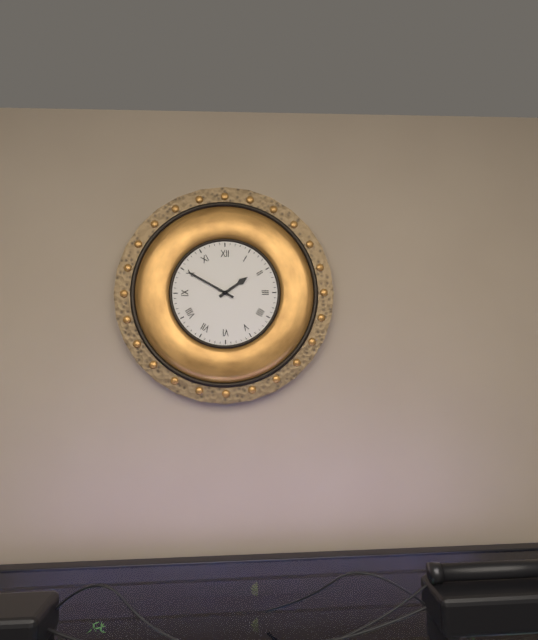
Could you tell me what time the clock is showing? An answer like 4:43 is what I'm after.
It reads 1:50
